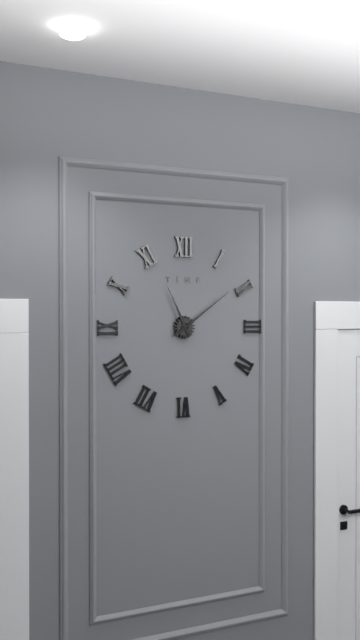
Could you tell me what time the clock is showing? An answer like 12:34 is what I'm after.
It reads 11:09
